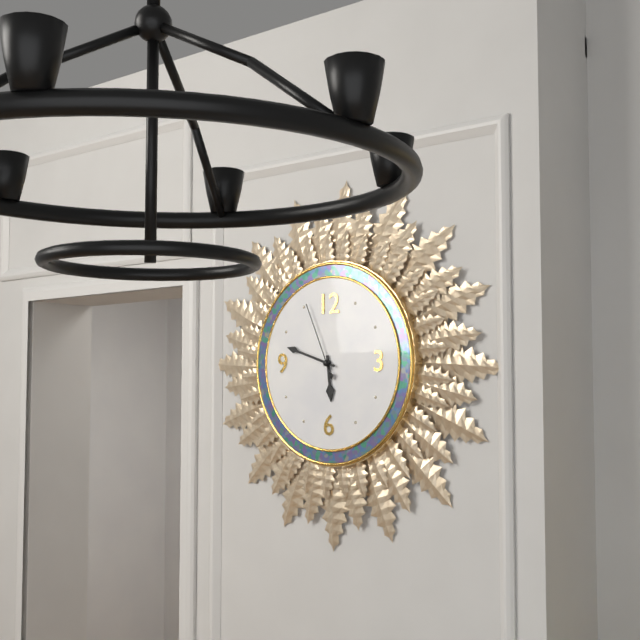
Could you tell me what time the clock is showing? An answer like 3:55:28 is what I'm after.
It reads 5:48:56
